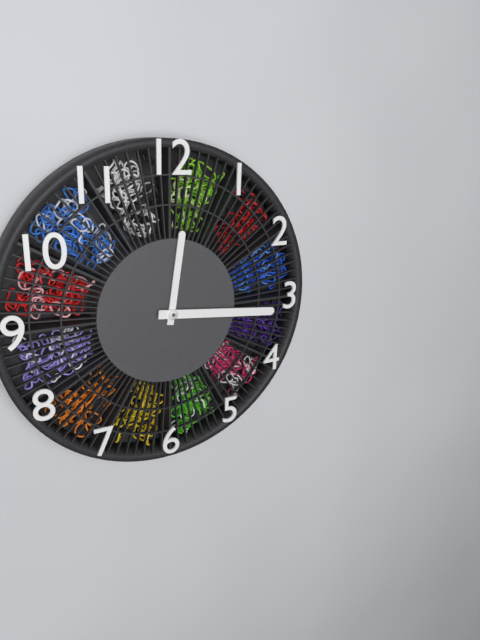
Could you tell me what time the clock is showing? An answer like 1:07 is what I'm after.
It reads 12:16
